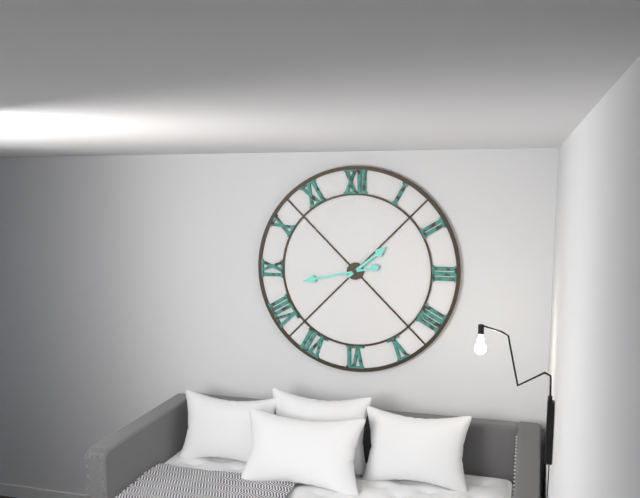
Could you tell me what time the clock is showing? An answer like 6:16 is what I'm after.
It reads 1:43
